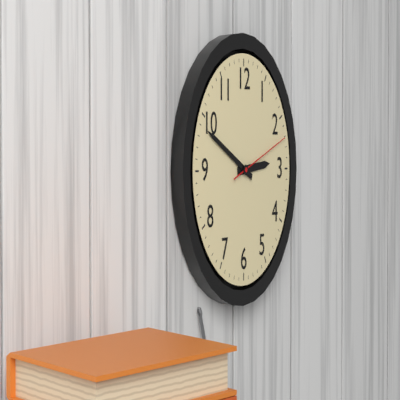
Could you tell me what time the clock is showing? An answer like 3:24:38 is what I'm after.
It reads 2:49:12
